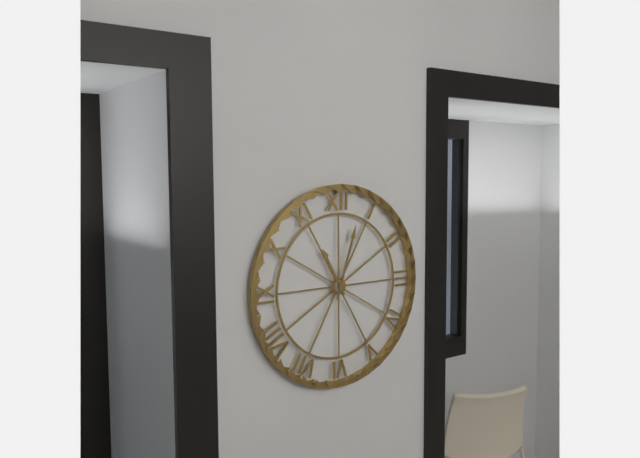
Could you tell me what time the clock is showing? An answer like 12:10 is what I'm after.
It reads 11:03
